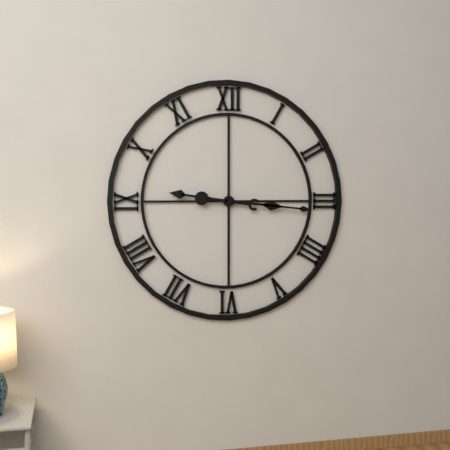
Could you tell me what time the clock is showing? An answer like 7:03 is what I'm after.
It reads 9:16
